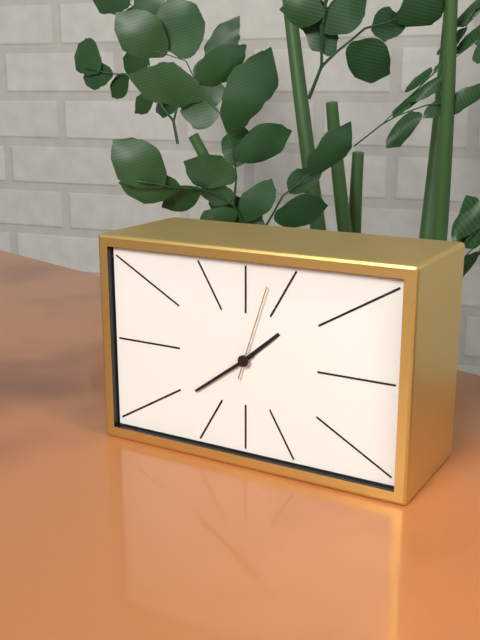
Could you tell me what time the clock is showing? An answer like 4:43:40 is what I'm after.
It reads 1:39:03
